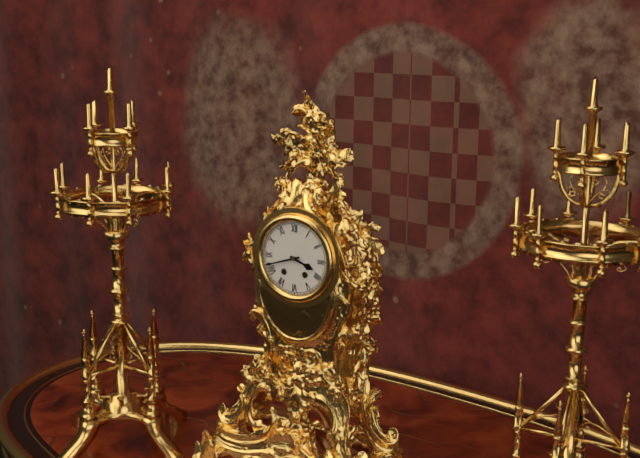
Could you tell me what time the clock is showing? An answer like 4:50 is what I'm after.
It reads 3:42
